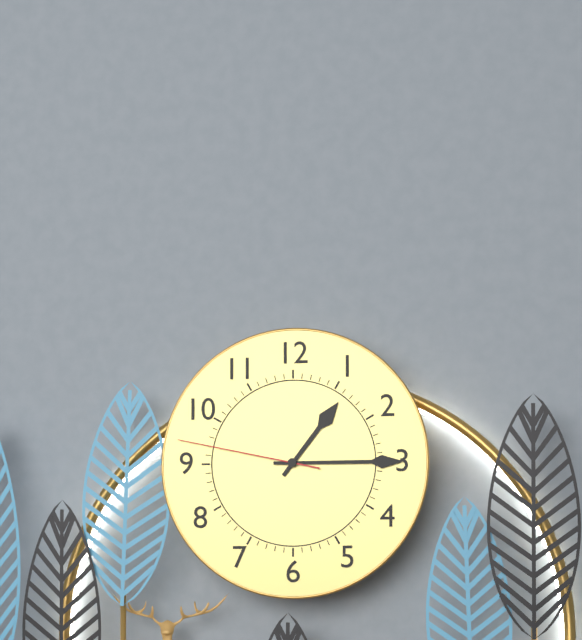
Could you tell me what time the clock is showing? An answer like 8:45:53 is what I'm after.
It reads 1:15:47
